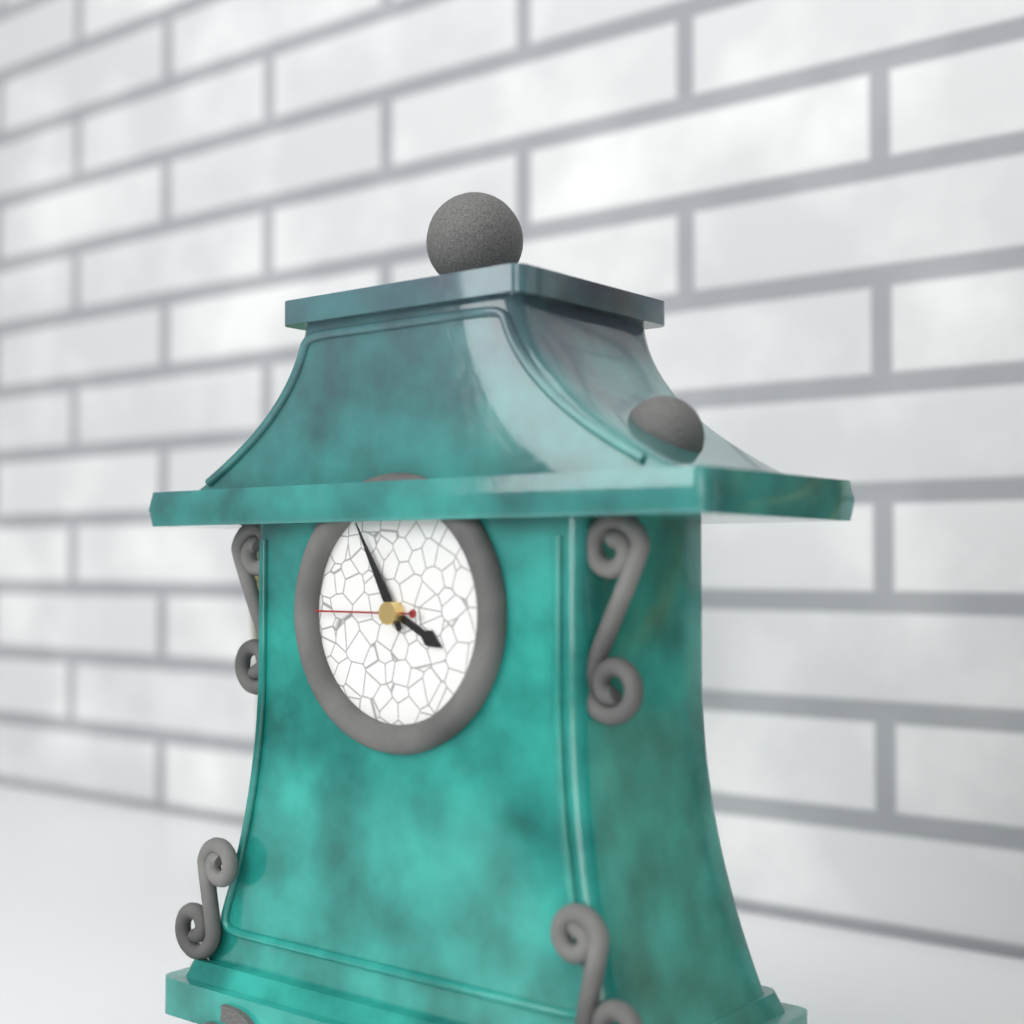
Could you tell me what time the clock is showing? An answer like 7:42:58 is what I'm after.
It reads 3:55:45
